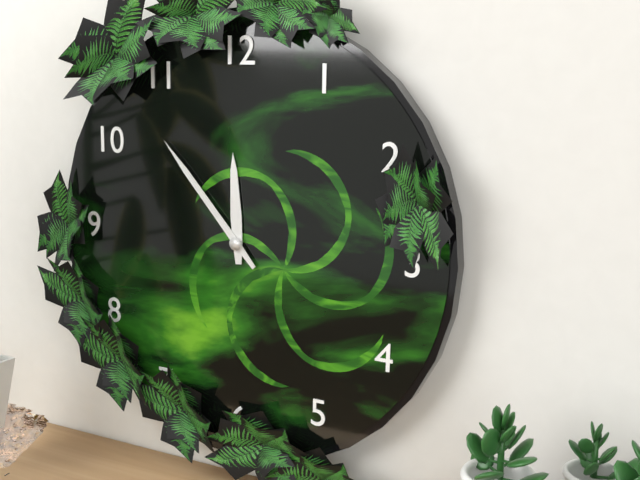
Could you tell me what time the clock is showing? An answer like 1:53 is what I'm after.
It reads 11:53
